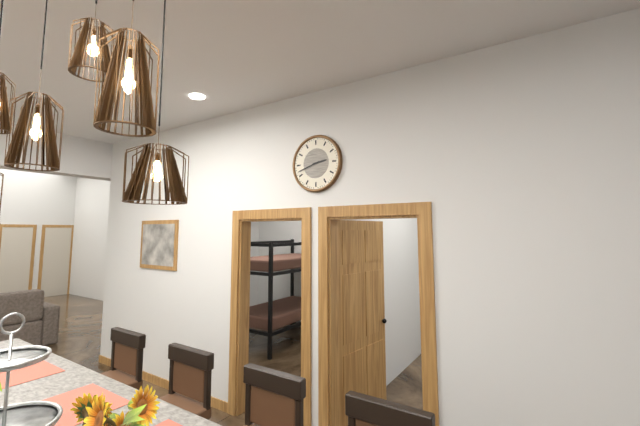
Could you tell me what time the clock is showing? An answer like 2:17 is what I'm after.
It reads 2:42
